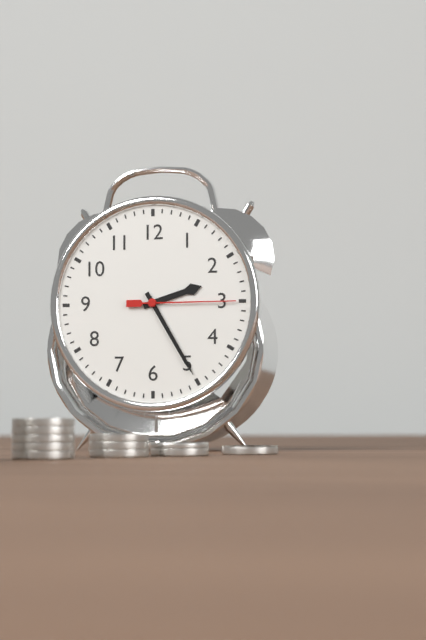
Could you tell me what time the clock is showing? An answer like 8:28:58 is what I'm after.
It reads 2:25:15
